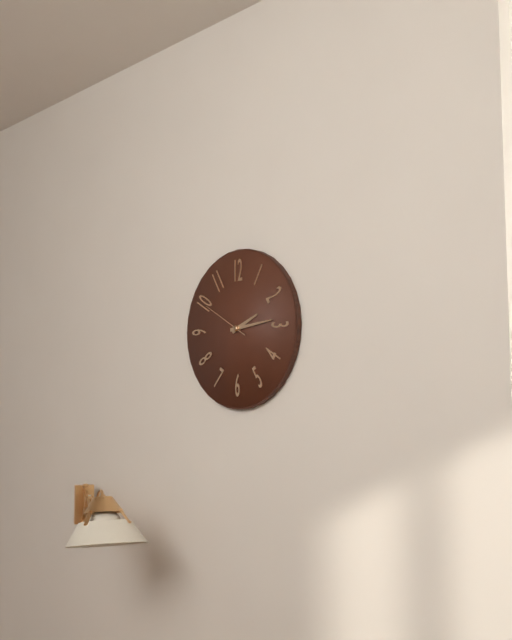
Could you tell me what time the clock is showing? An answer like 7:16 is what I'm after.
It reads 2:14
